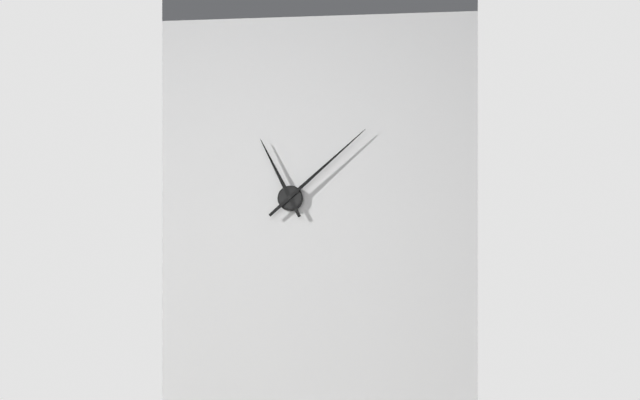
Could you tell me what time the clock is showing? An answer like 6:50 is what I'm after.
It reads 11:08
